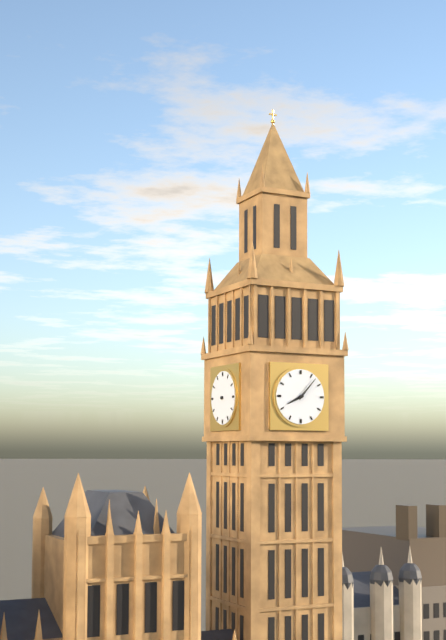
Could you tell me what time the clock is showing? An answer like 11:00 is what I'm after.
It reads 8:07
